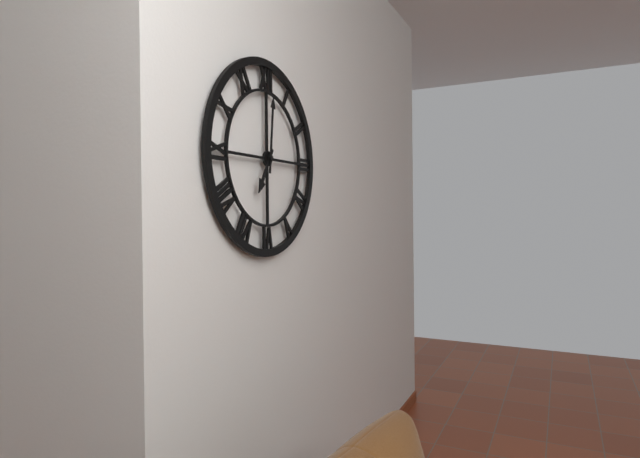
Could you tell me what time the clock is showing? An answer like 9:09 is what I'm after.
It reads 7:01
